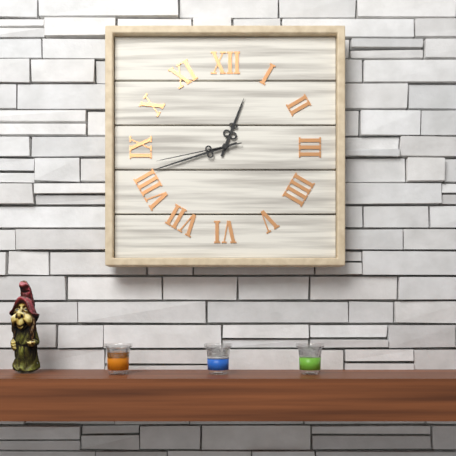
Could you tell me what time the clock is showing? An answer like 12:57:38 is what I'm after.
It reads 12:42:43
